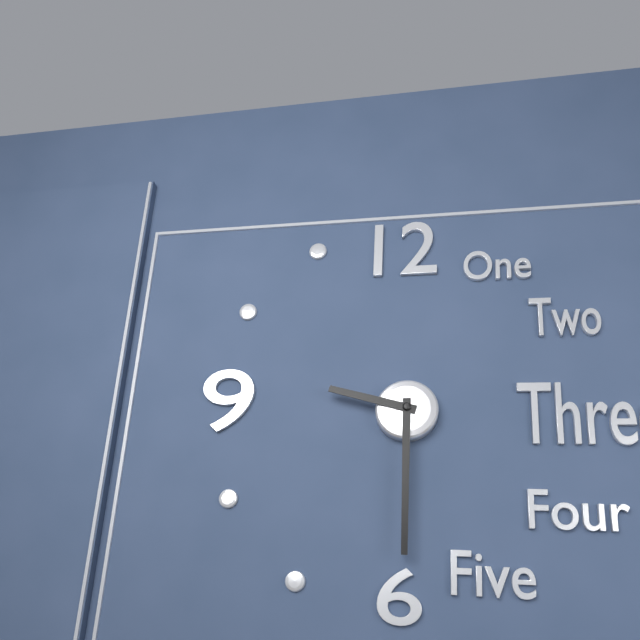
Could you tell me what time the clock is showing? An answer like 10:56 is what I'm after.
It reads 9:30
